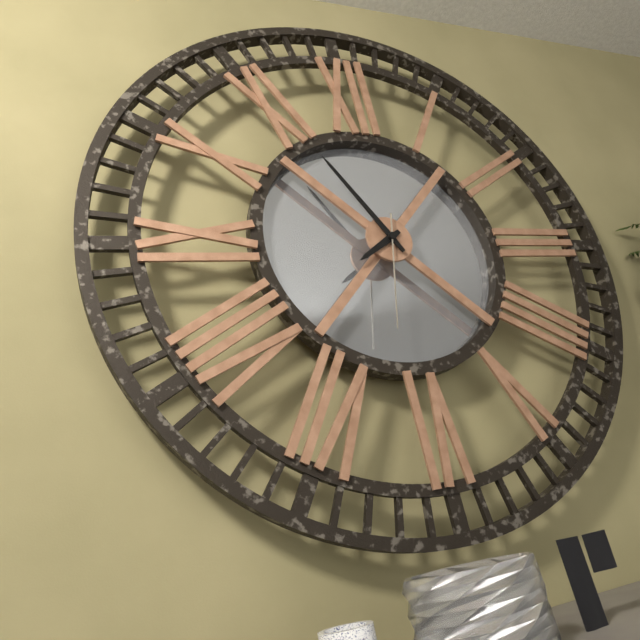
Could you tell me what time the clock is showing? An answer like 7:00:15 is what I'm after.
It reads 7:55:32
